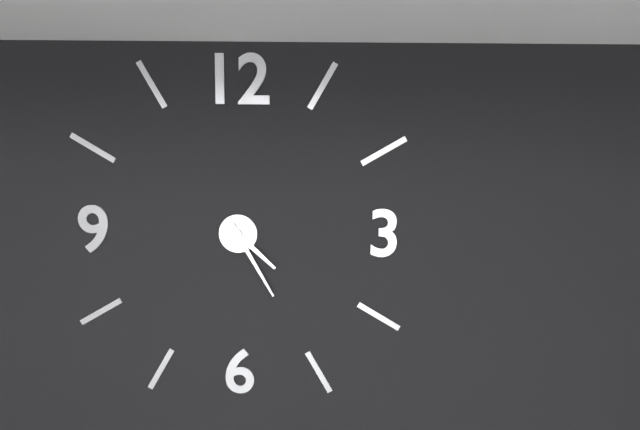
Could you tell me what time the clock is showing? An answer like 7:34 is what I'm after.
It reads 4:25
